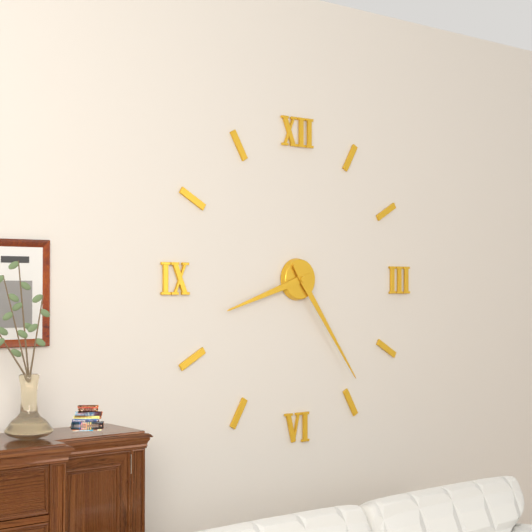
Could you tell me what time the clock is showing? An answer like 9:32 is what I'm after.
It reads 8:24
